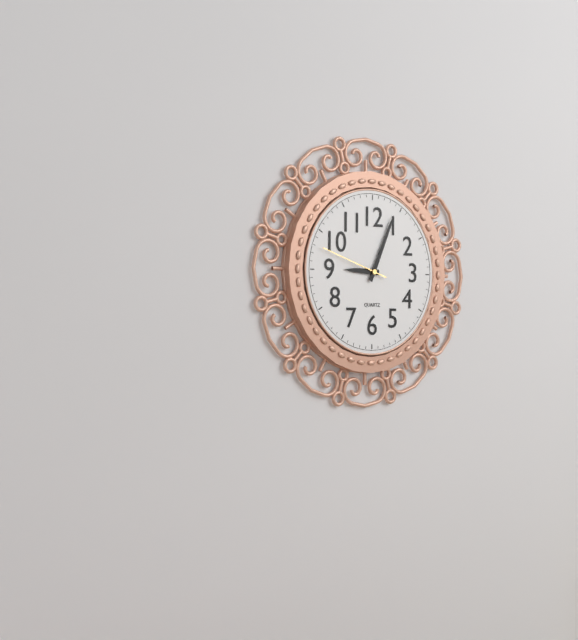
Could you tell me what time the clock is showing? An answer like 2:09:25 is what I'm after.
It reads 9:04:48
